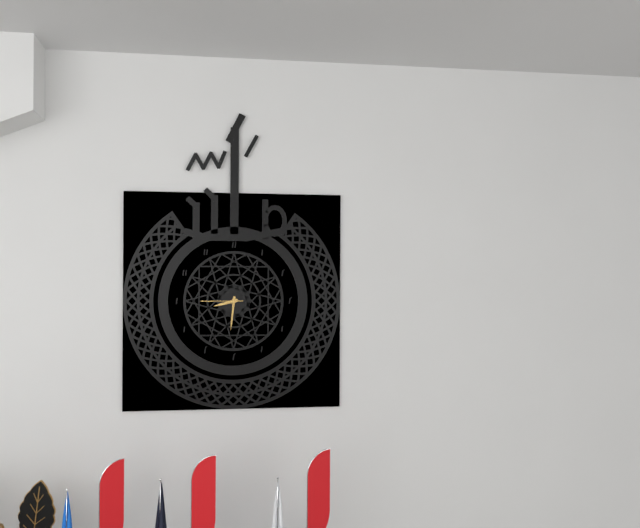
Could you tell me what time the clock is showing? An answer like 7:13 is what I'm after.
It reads 8:31
